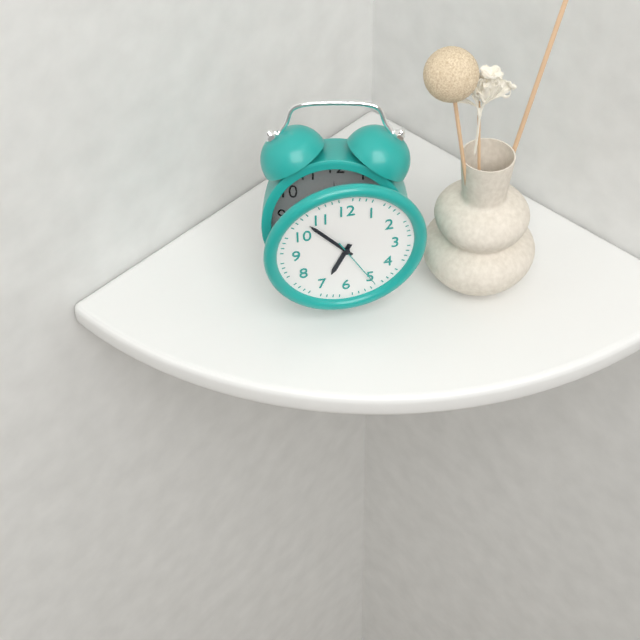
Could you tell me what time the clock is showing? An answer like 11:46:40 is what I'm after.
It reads 6:53:25
